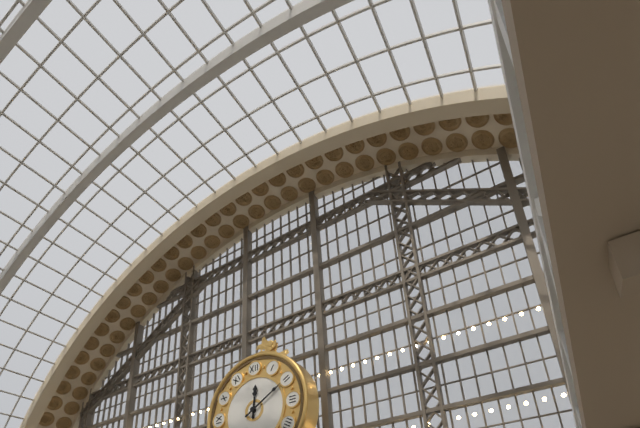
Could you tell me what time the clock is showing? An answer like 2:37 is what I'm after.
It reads 12:10
